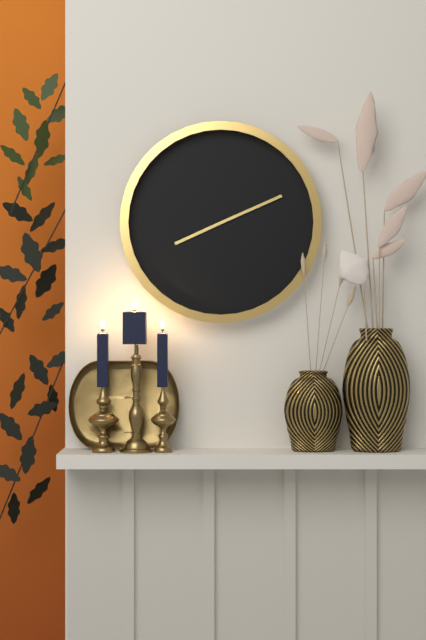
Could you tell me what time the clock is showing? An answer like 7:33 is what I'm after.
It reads 8:11
